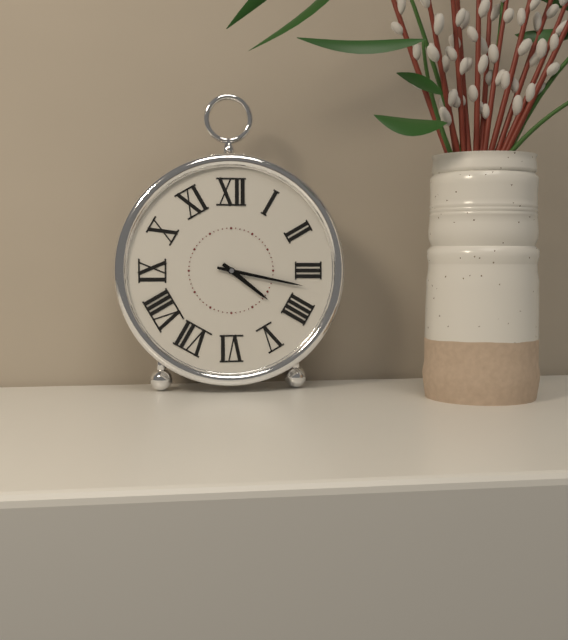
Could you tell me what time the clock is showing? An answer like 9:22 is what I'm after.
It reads 4:17
